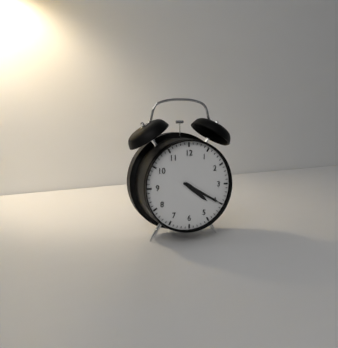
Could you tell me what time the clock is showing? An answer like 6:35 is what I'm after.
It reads 4:20
